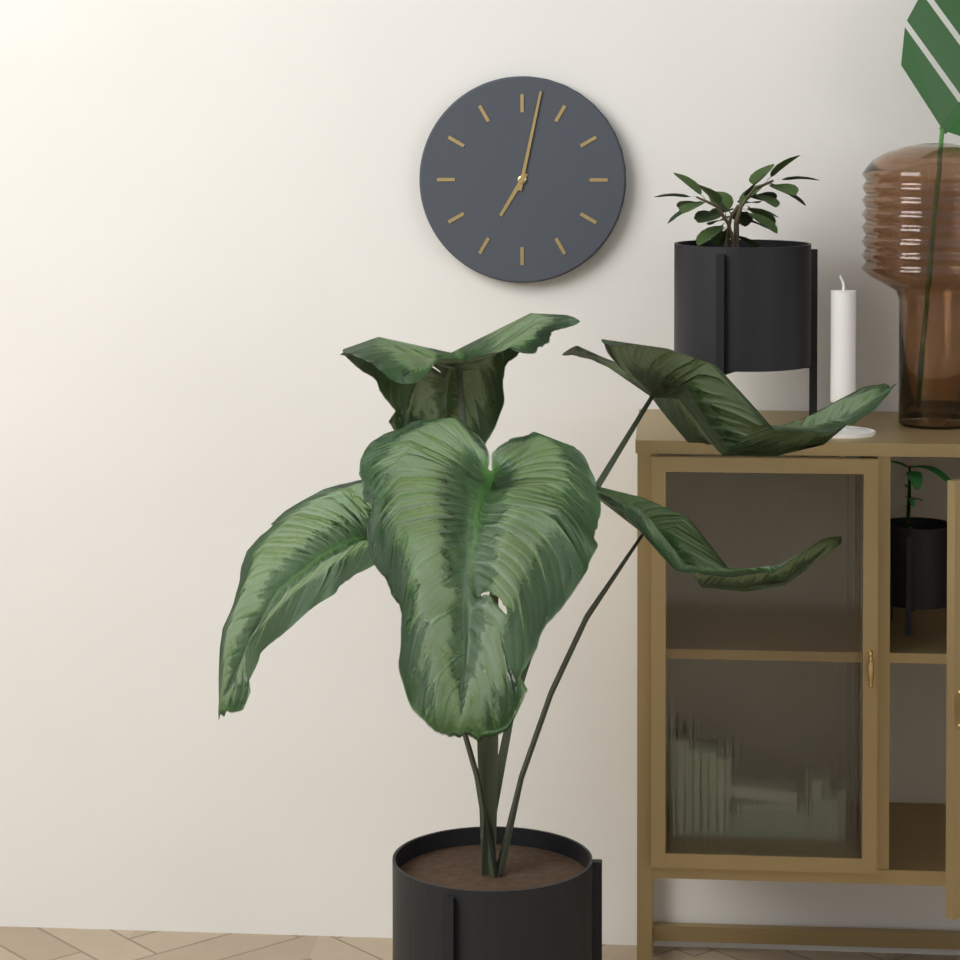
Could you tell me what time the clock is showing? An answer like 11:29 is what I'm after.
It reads 7:02
